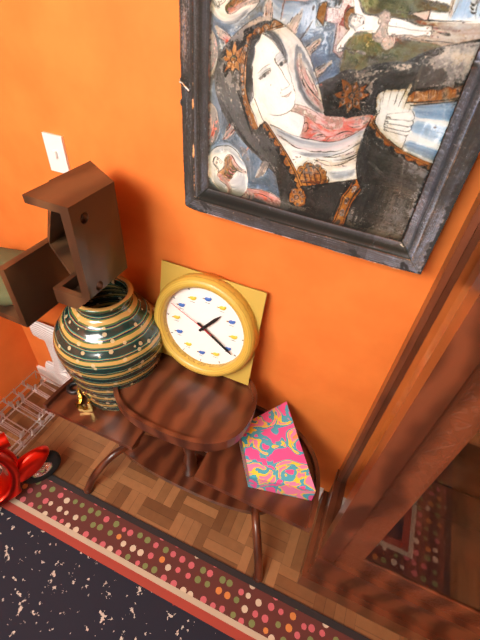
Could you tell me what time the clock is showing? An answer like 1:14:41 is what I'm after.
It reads 1:20:49
